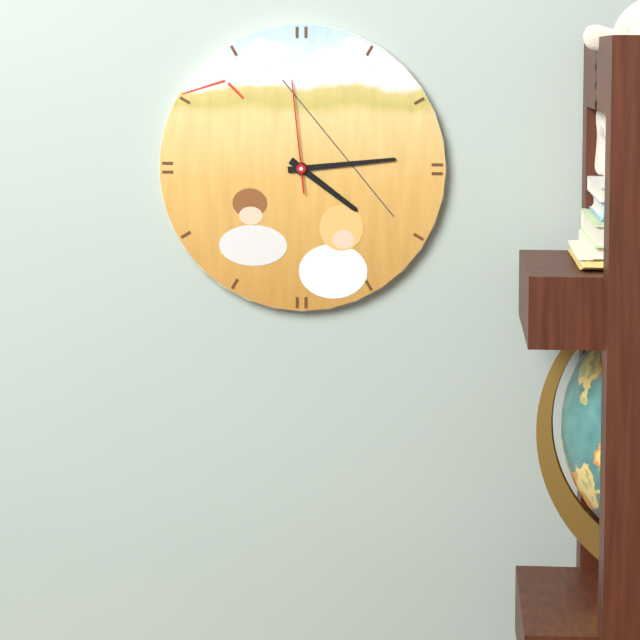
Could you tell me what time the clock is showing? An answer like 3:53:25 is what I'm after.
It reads 4:14:59
